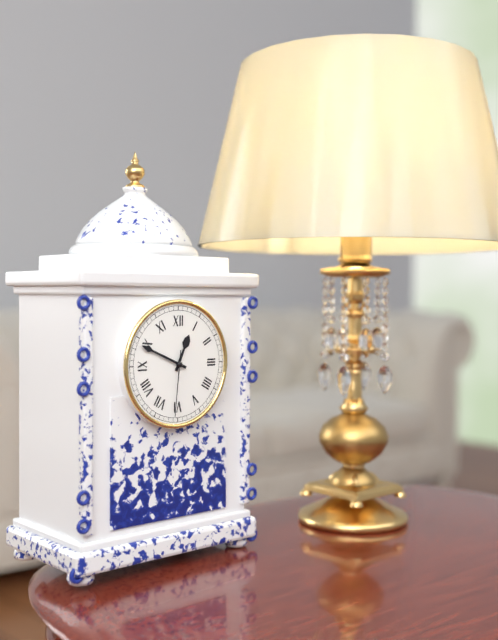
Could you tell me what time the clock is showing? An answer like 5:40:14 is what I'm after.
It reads 12:49:31
